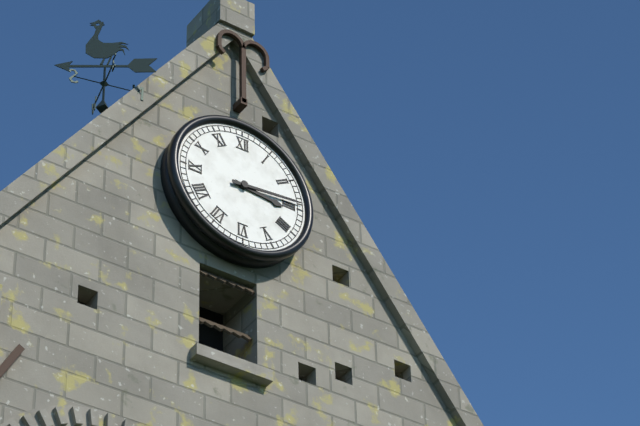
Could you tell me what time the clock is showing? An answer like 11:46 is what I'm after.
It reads 3:14
